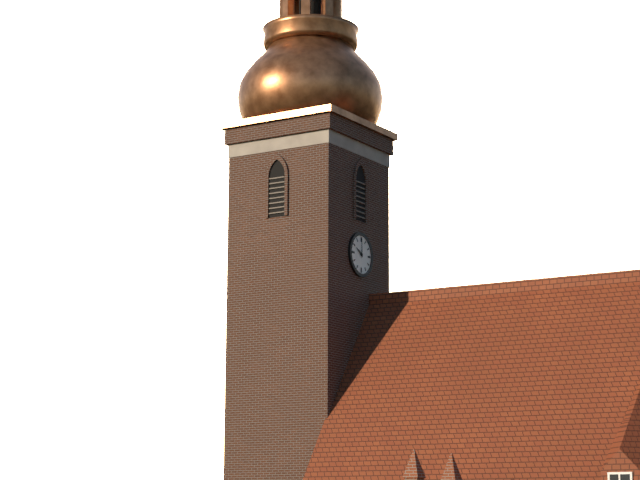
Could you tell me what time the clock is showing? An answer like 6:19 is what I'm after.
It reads 10:00
